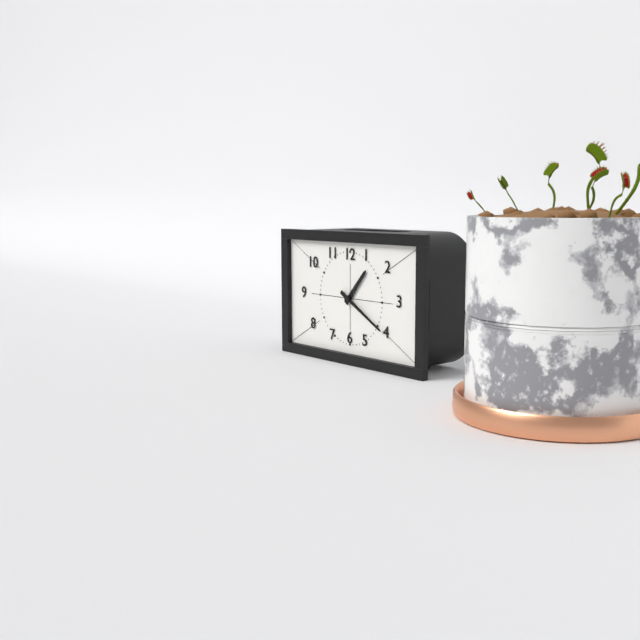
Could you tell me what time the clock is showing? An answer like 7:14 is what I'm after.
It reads 1:20
